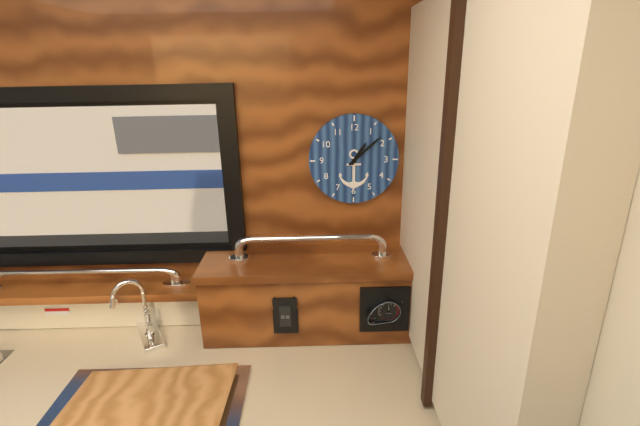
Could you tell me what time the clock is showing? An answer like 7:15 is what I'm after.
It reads 1:08
